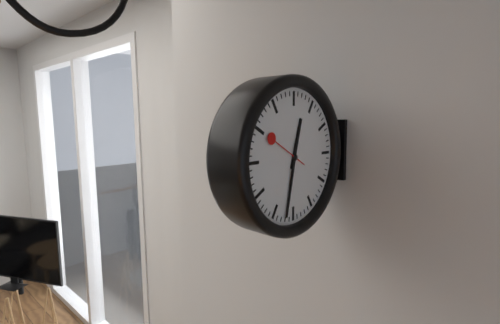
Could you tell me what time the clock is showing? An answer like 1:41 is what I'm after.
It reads 12:32
